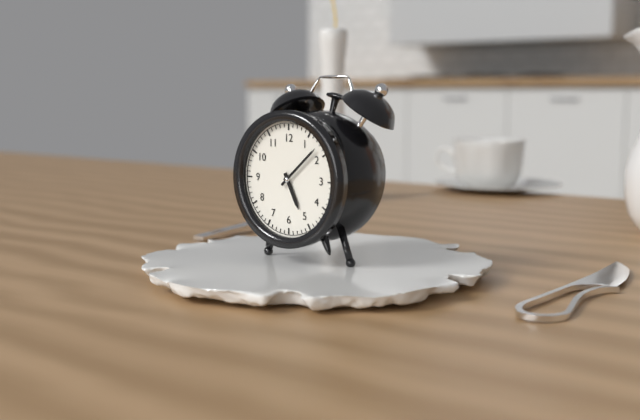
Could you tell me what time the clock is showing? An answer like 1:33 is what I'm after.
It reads 5:08
